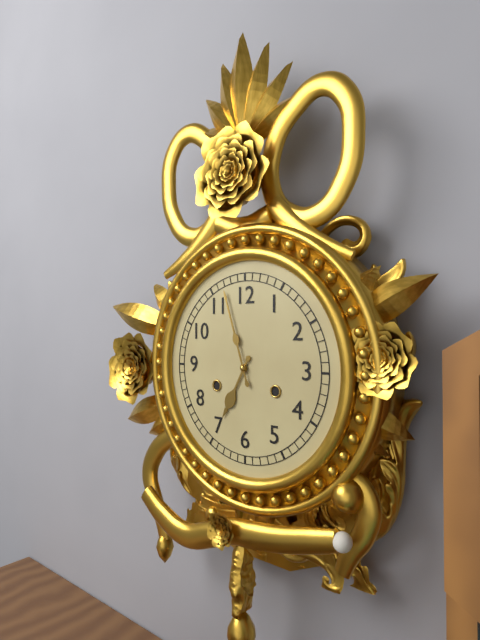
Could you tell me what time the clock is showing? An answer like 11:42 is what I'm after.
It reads 6:57
